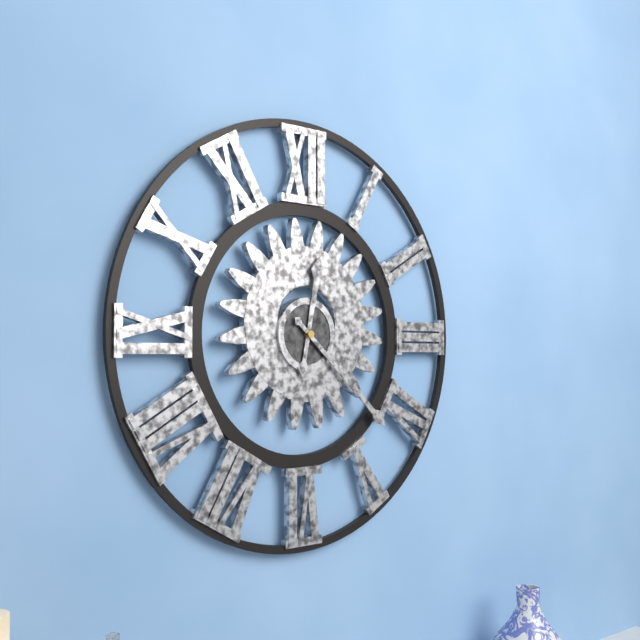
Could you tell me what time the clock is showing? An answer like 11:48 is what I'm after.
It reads 12:22
